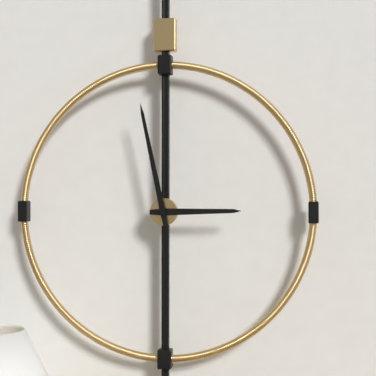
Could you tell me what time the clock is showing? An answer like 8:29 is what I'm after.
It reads 2:58
